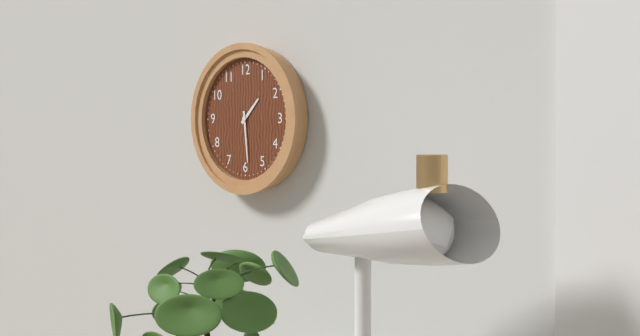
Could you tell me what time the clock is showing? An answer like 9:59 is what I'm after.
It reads 1:29
